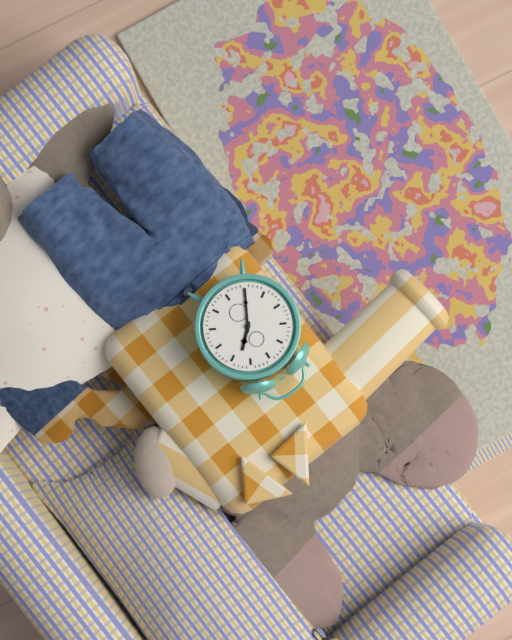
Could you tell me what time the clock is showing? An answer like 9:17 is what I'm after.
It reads 1:35
